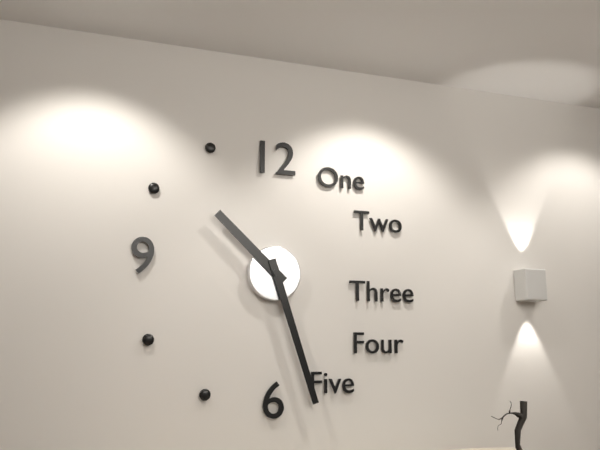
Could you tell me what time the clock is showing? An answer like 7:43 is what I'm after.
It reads 10:27
